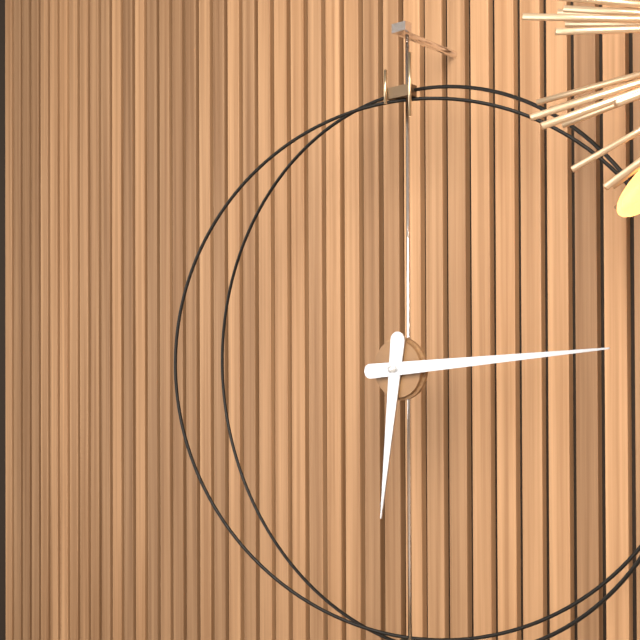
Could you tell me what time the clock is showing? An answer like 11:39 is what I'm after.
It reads 6:14
